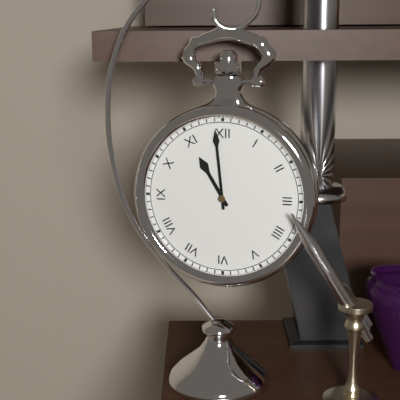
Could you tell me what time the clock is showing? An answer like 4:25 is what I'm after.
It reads 10:59
